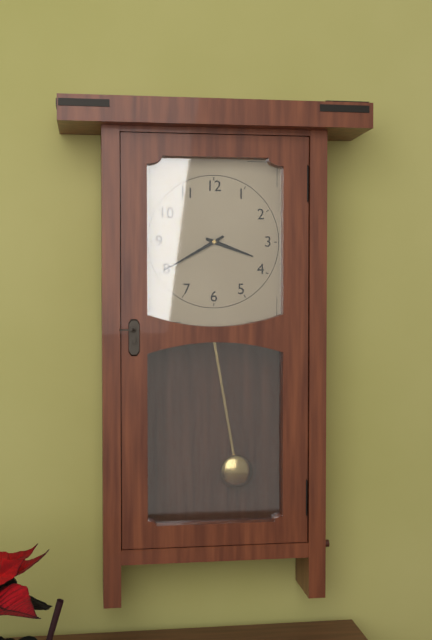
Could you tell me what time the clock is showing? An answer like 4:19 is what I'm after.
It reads 3:40
